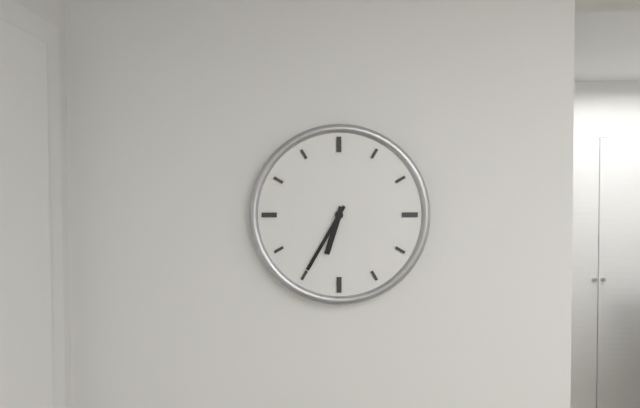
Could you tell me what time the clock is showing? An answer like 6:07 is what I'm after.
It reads 6:35
